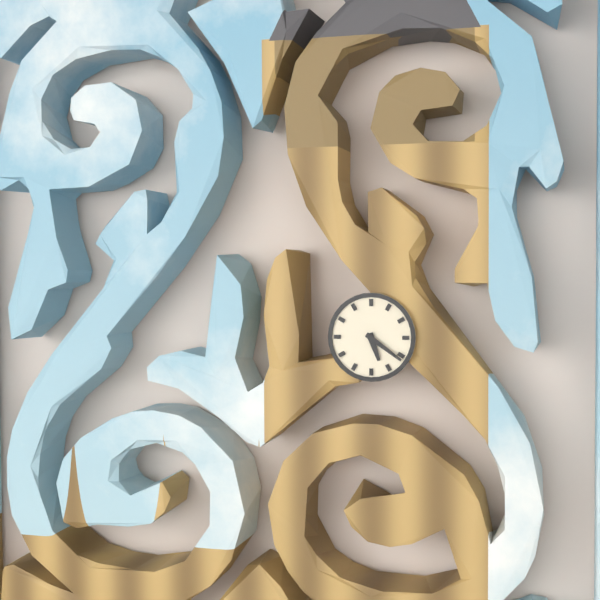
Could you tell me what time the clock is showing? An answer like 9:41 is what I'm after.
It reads 5:21
